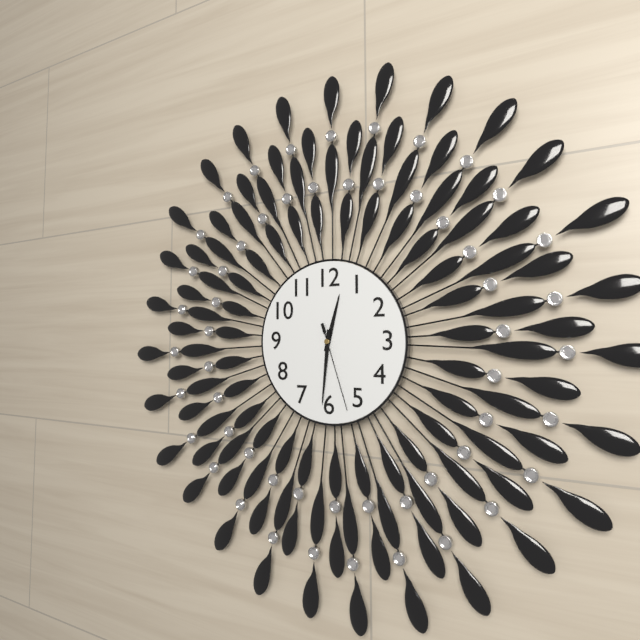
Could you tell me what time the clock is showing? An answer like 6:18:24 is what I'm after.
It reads 12:31:27
